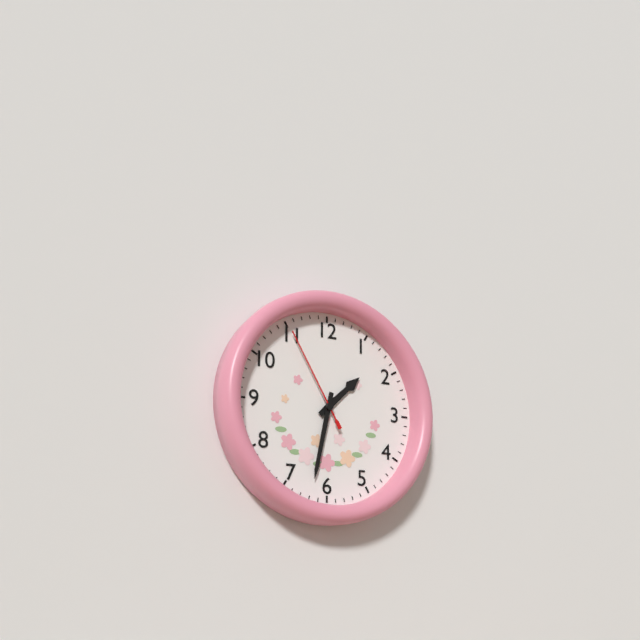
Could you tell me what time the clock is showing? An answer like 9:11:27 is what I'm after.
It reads 1:32:55
